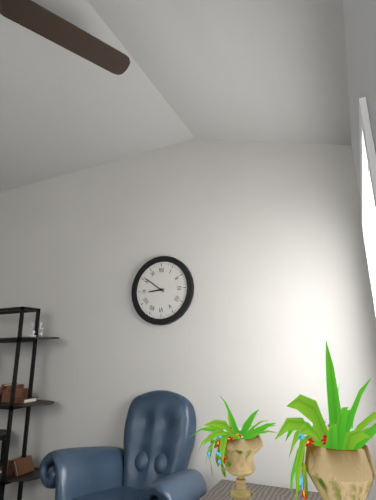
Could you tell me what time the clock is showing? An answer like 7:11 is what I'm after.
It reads 8:51
